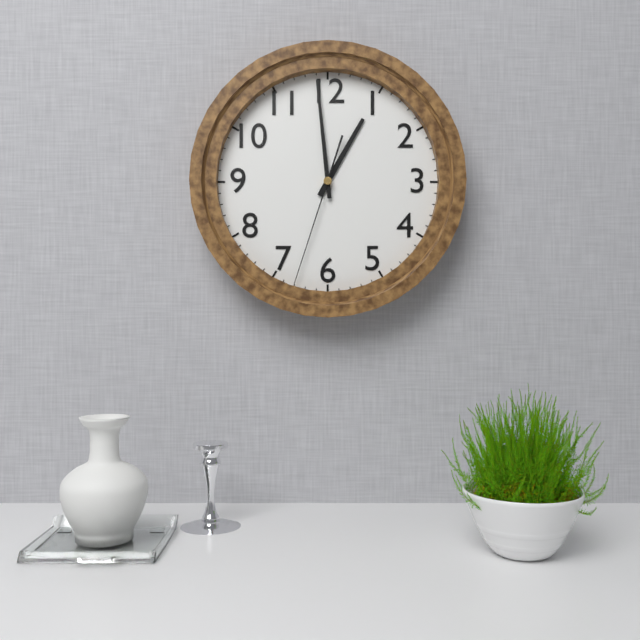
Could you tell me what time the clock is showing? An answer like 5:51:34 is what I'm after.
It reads 12:59:33
